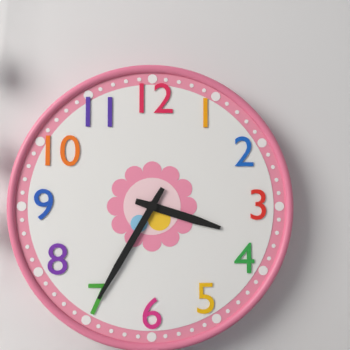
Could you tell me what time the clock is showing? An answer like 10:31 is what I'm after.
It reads 3:35
